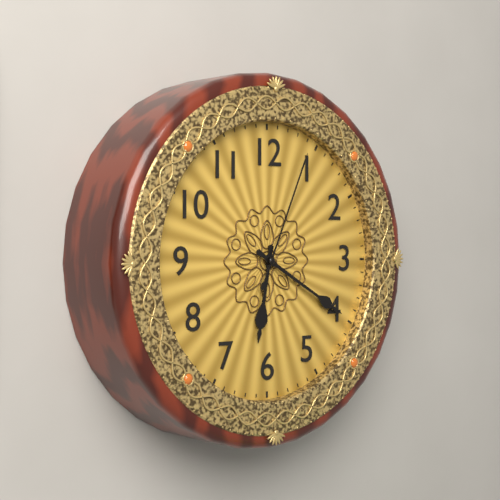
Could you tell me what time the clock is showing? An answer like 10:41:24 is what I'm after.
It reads 6:20:04
